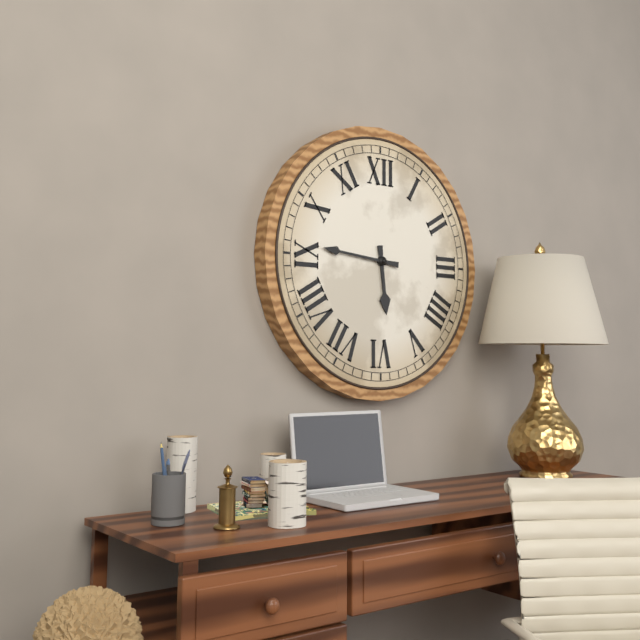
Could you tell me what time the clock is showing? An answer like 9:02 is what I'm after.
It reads 5:46
